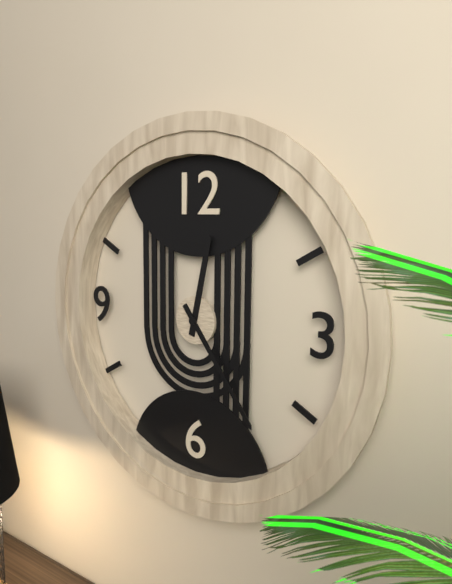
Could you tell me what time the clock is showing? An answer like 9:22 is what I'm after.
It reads 12:24
